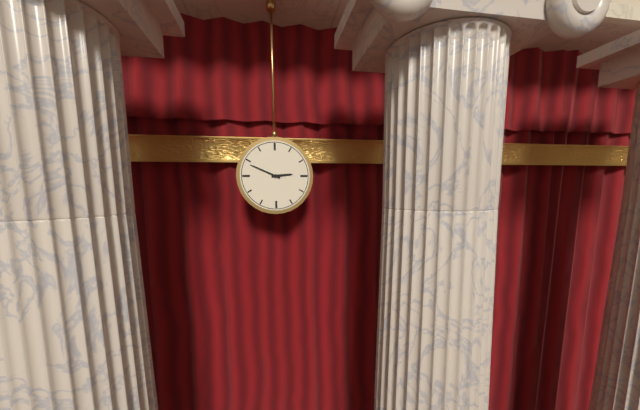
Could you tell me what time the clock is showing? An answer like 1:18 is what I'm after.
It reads 2:49
